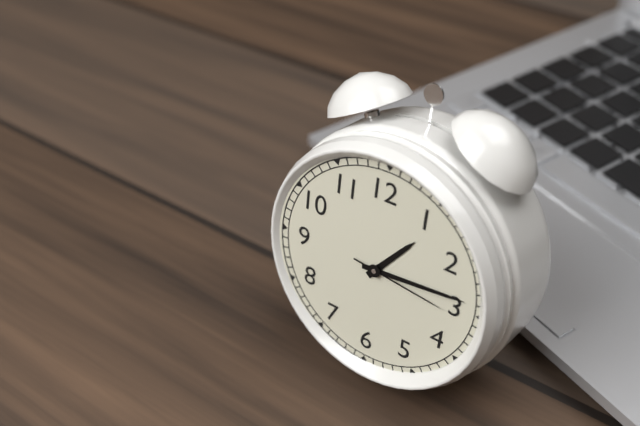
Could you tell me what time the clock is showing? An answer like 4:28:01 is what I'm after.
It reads 1:14:16
